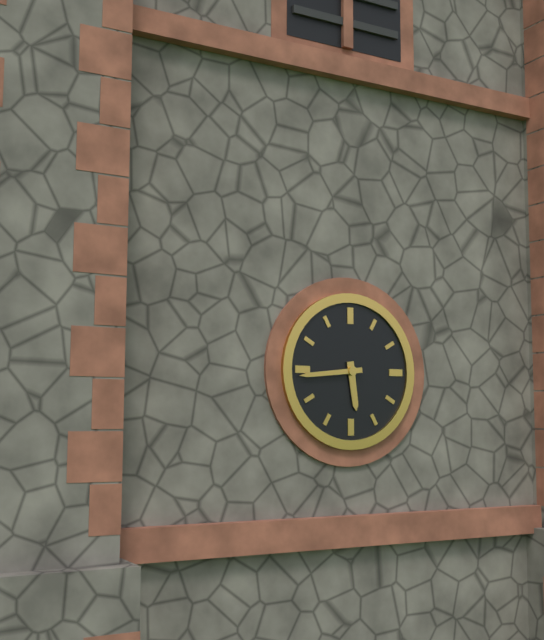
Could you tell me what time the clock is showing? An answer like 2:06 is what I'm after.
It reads 5:44
